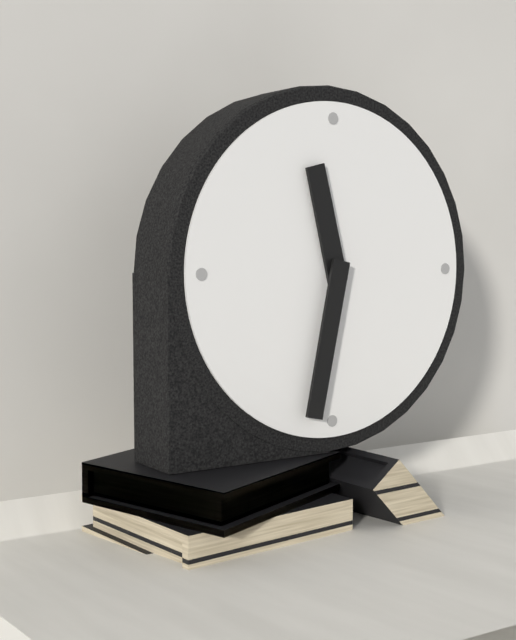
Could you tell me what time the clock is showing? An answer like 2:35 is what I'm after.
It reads 11:32
